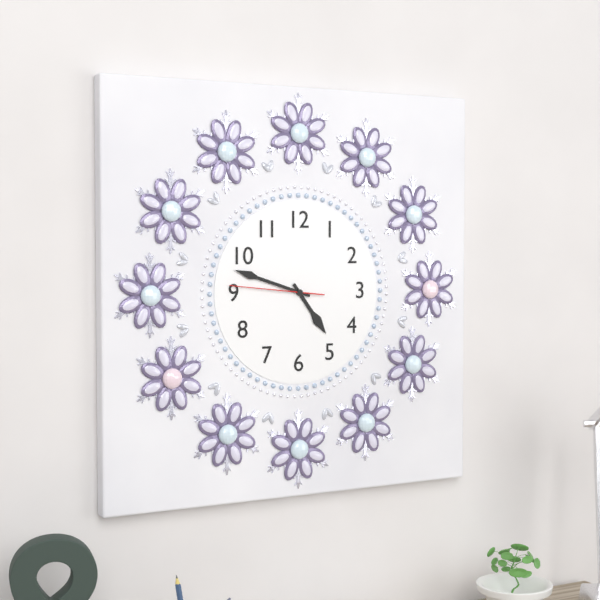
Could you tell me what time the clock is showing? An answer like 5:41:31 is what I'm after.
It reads 4:48:46
